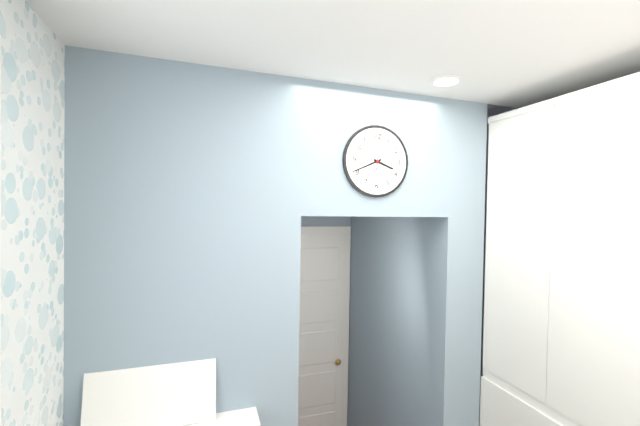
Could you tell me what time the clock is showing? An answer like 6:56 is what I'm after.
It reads 3:41
